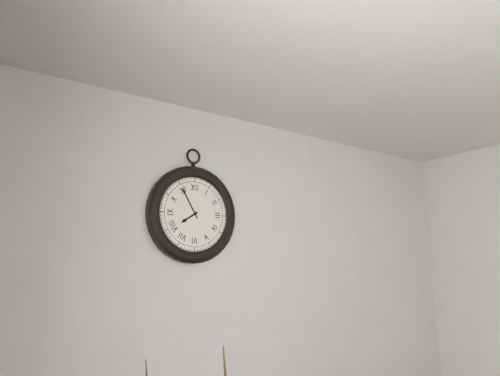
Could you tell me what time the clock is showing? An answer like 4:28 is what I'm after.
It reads 7:55
